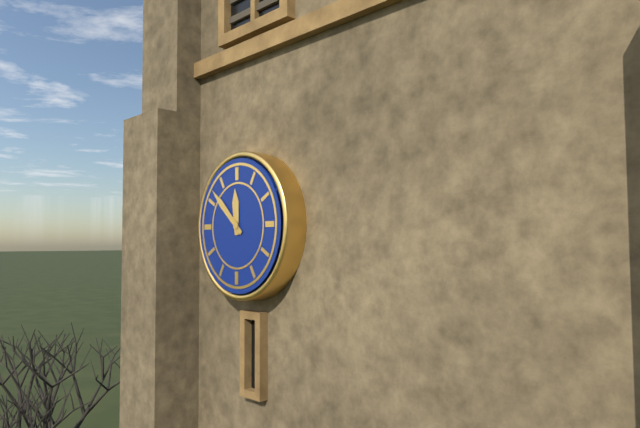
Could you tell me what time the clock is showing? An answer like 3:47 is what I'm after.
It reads 11:52
